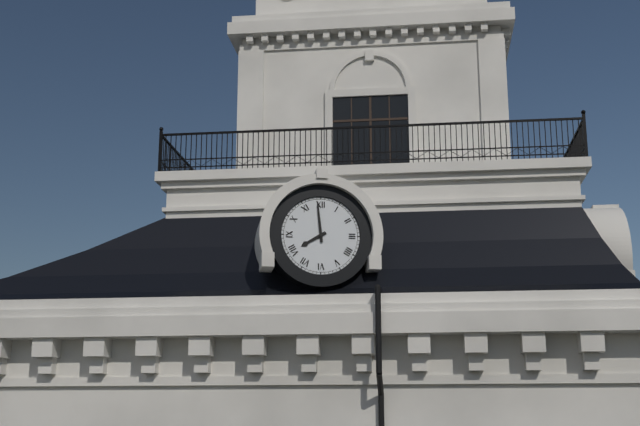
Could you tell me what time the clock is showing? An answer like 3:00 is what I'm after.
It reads 7:59
